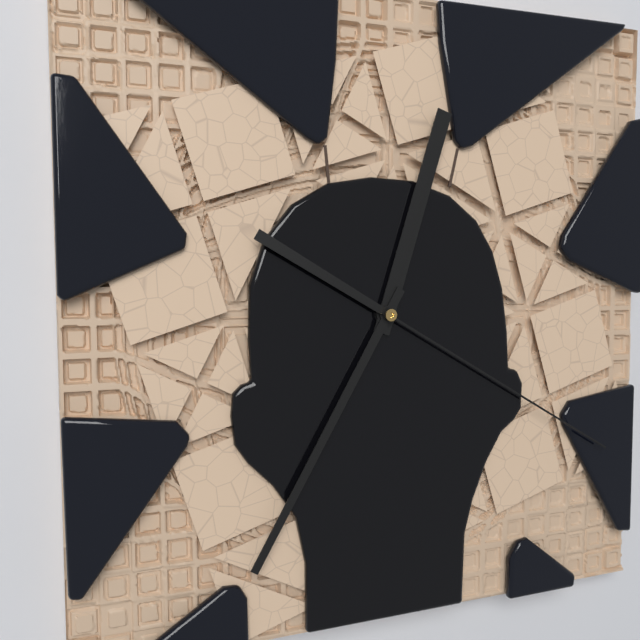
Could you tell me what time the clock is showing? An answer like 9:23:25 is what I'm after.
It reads 12:35:20
